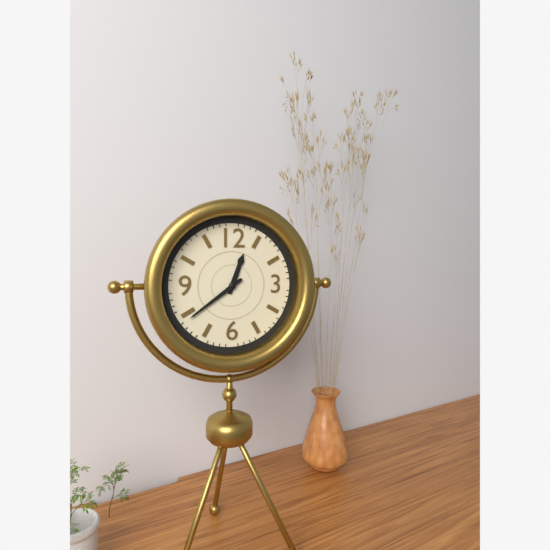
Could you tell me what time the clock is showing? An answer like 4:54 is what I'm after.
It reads 12:39
